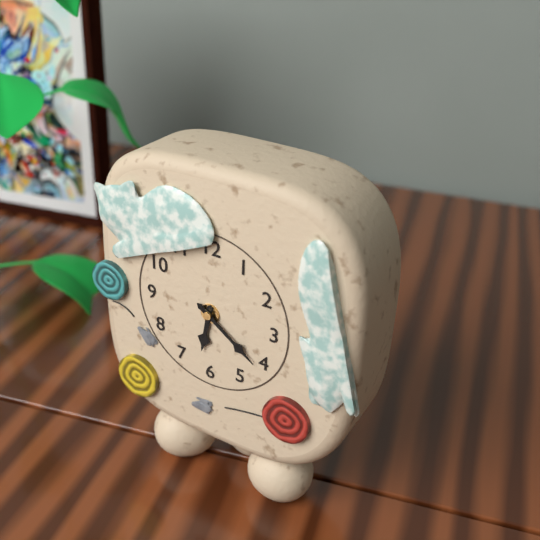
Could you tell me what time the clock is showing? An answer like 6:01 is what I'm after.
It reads 6:21
